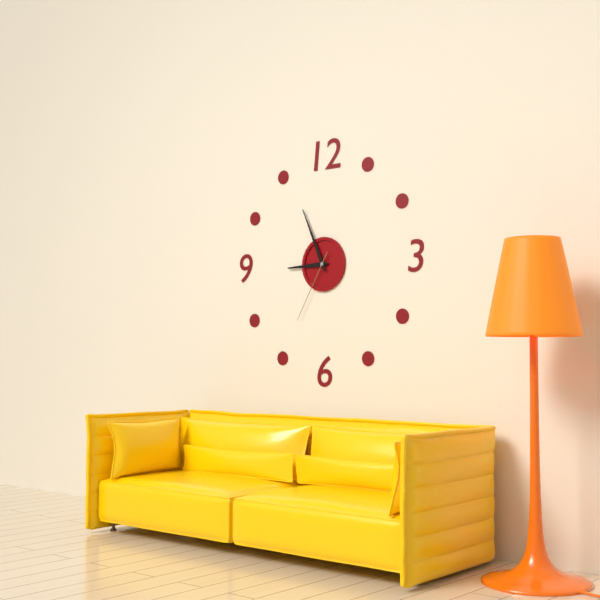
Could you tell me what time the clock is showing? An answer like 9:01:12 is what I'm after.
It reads 8:56:35
